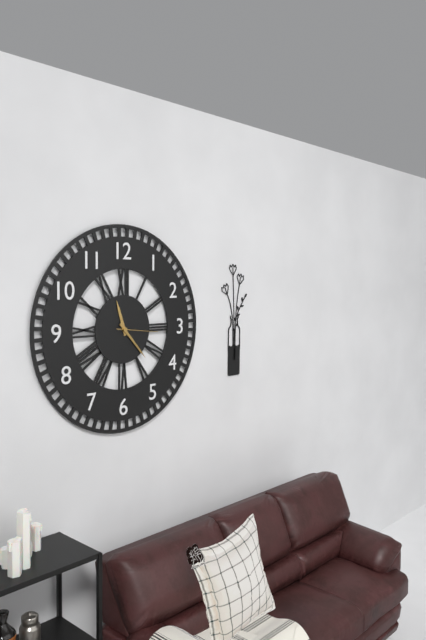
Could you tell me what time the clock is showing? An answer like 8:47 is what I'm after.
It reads 11:23
